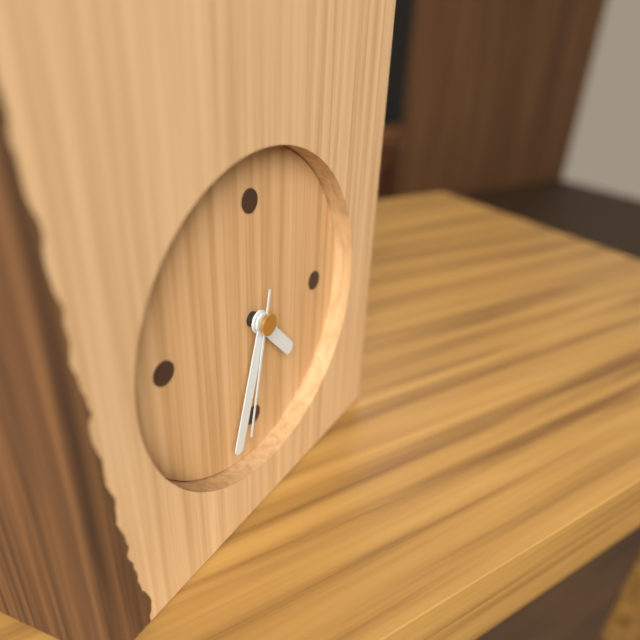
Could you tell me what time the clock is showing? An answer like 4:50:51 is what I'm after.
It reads 4:33:32
